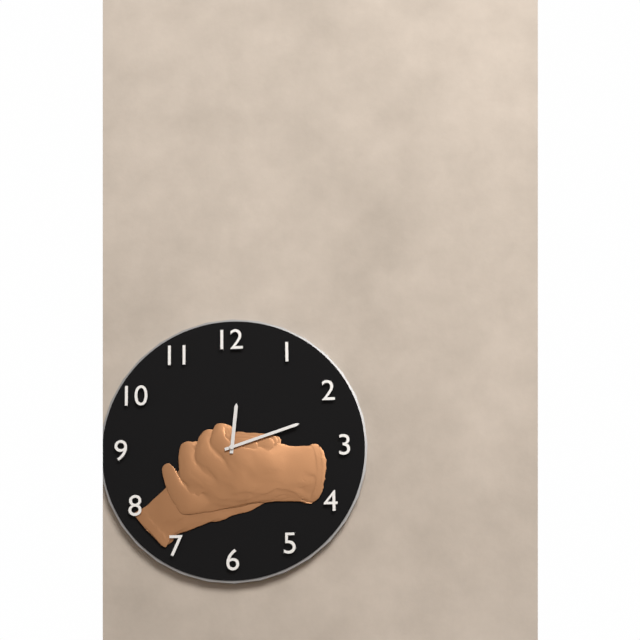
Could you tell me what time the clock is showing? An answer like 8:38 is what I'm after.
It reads 12:12
